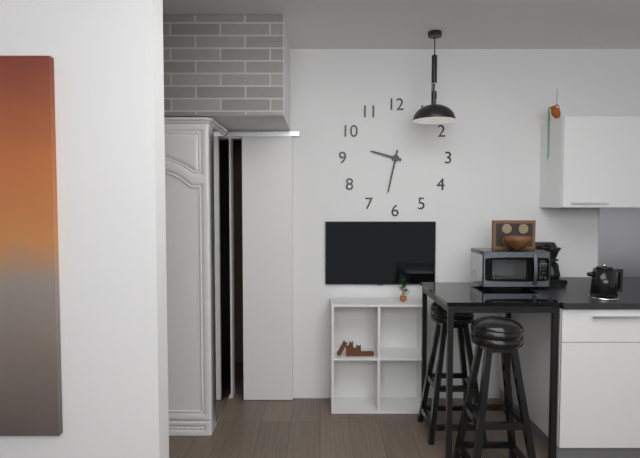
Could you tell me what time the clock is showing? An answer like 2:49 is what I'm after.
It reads 9:32
